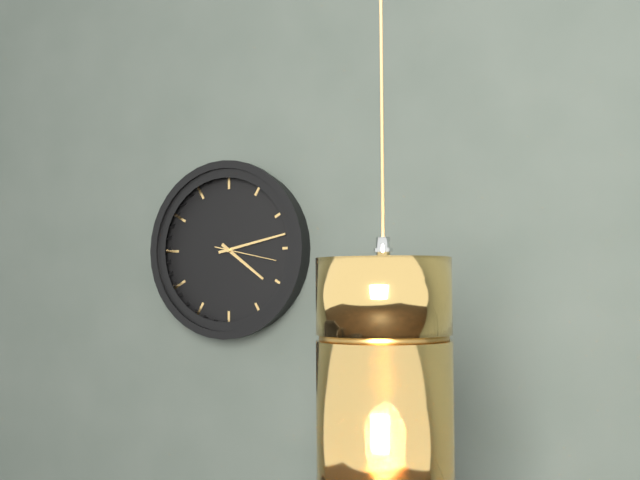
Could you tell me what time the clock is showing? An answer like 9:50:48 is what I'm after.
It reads 4:13:17
